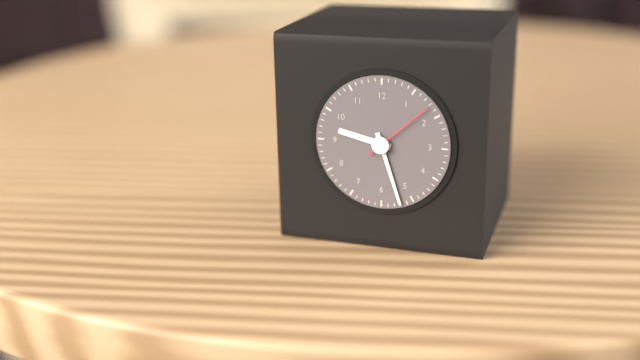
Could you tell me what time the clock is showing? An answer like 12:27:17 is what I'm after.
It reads 9:27:08
